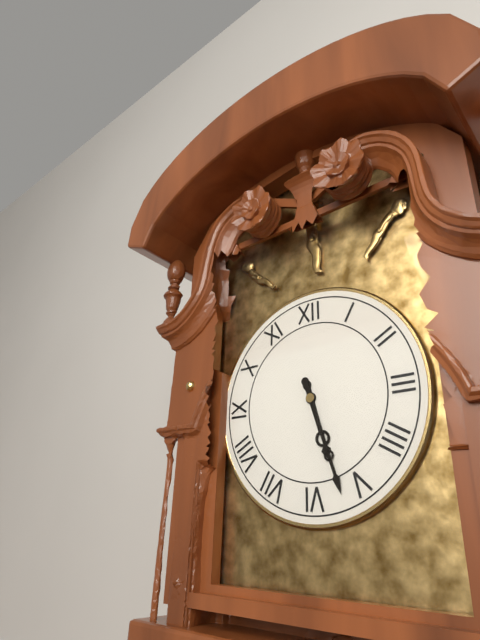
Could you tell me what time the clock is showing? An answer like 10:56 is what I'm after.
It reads 5:27
